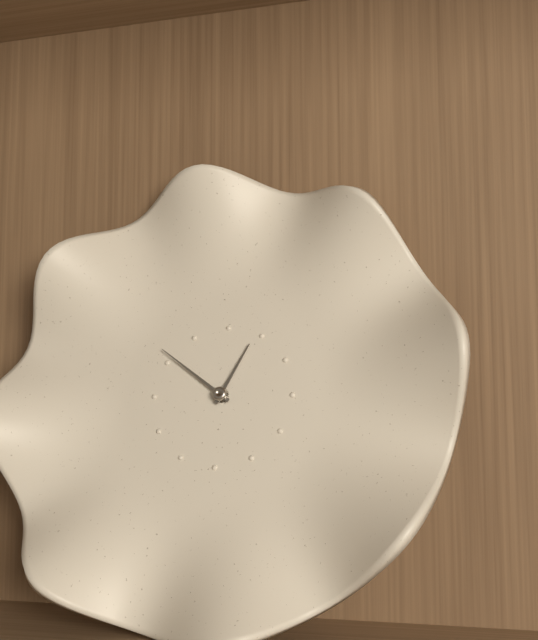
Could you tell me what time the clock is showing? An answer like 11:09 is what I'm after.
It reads 12:51
